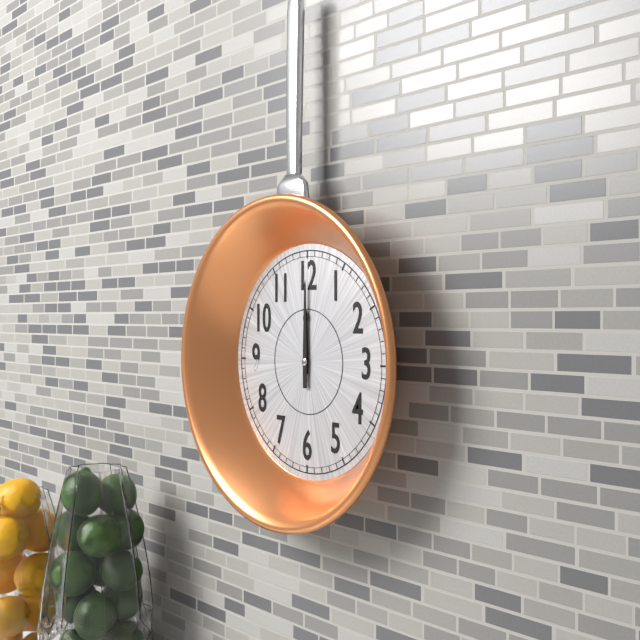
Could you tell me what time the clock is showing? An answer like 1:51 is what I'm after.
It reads 12:00
